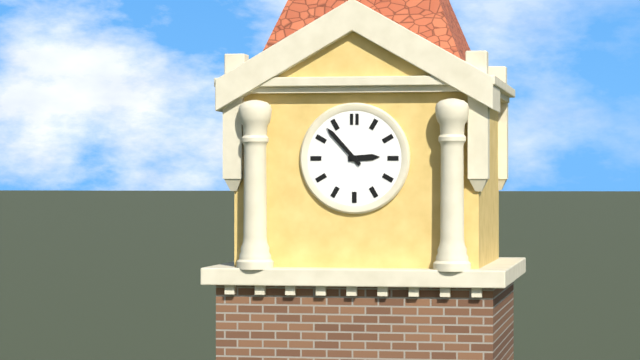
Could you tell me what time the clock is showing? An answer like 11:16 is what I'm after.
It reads 2:53
